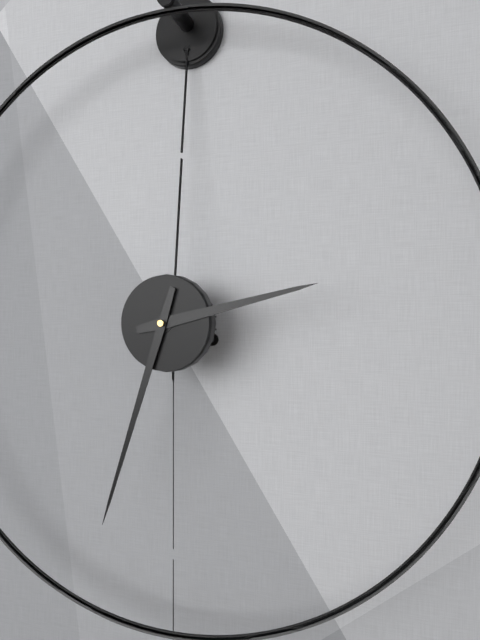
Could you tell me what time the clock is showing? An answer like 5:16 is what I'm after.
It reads 2:33
